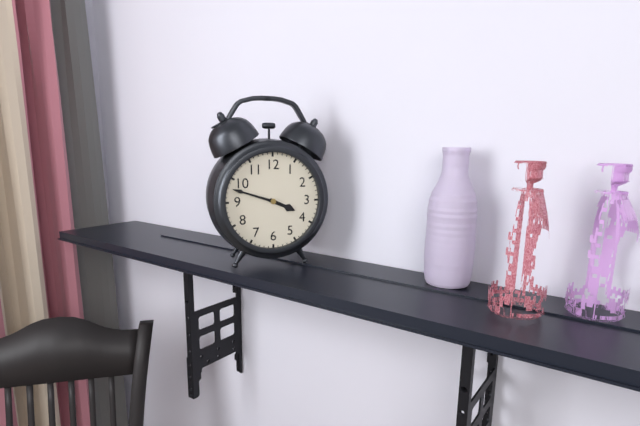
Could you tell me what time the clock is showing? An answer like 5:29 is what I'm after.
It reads 3:48
